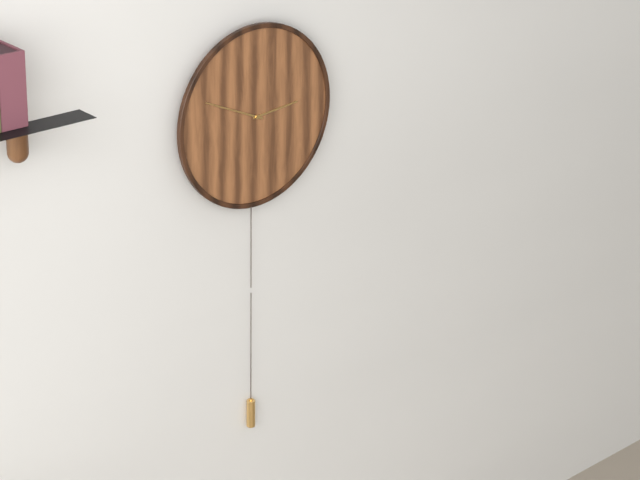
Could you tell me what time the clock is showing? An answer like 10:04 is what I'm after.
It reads 2:49
